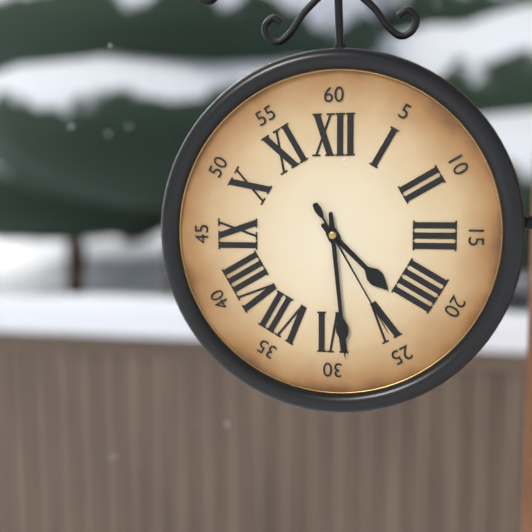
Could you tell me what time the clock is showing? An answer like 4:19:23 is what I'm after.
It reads 4:29:25
